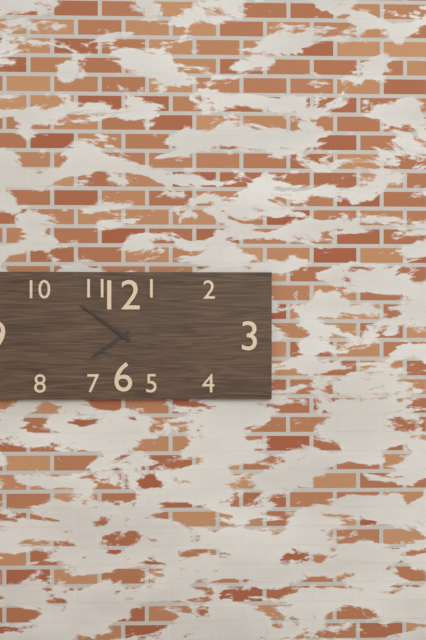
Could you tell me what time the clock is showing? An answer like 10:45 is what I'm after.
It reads 7:51
